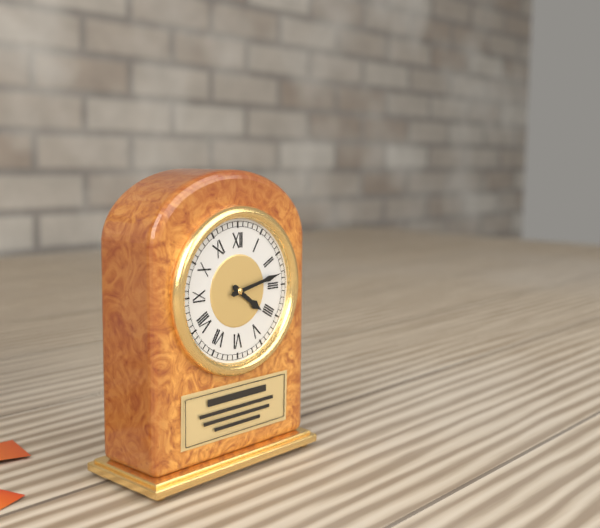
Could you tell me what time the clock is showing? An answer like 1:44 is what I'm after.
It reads 4:13
